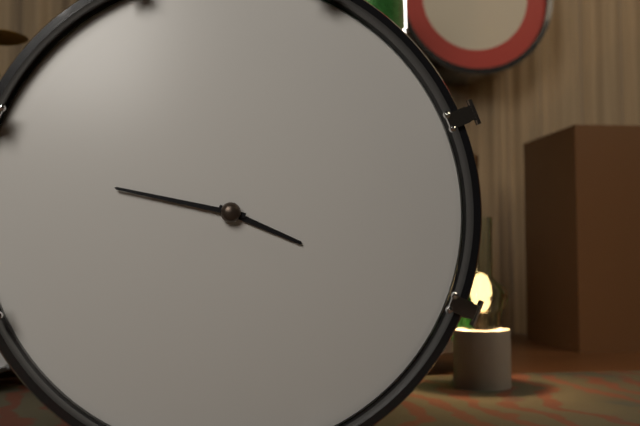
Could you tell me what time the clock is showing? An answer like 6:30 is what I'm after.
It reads 3:47
